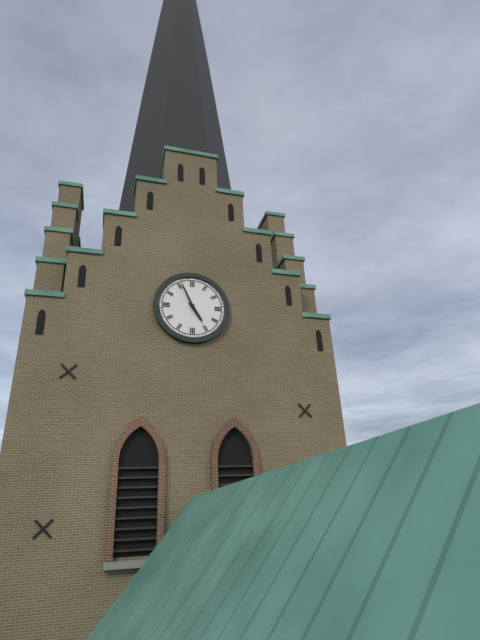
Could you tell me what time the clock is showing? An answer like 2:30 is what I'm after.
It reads 4:56
